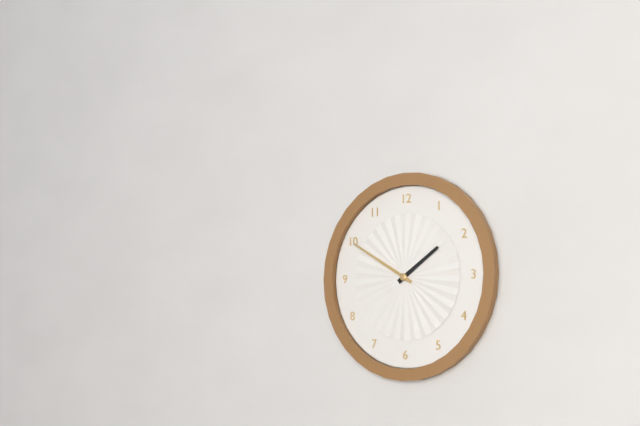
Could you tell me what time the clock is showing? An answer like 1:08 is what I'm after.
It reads 1:50
